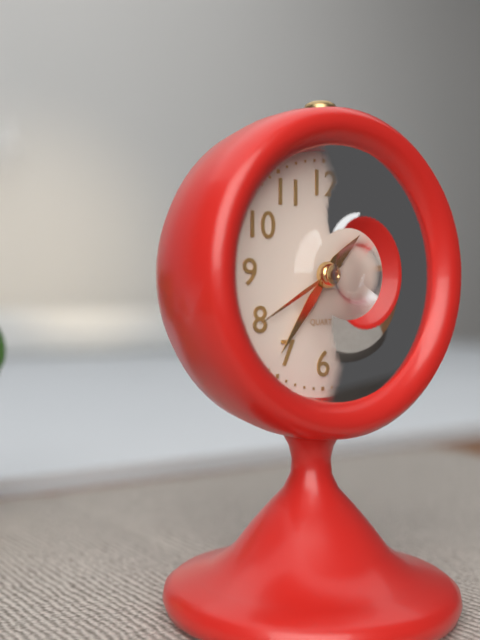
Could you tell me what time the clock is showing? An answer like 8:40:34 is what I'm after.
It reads 1:36:40
